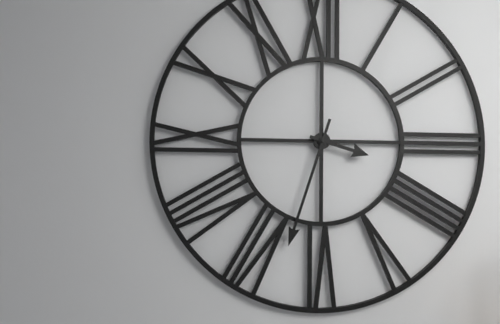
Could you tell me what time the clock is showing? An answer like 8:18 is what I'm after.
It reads 3:33
